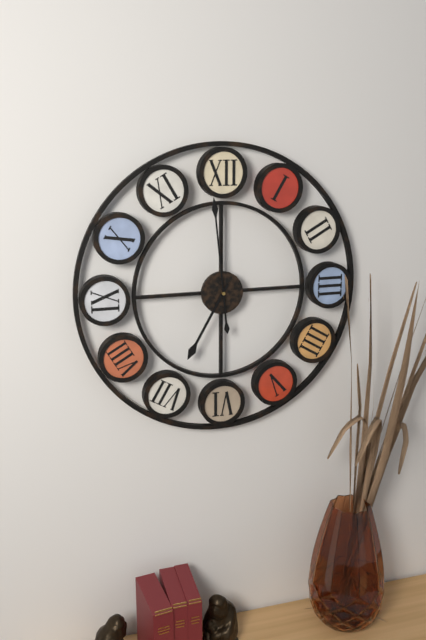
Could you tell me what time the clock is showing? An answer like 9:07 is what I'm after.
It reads 6:59
